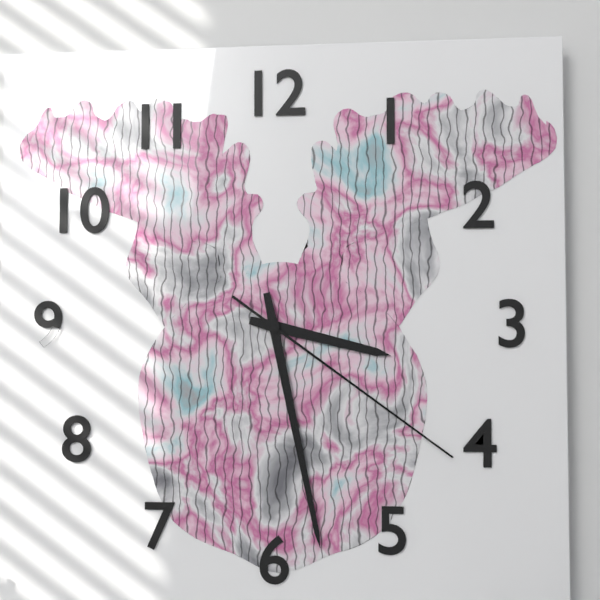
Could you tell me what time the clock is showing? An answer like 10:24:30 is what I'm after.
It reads 3:28:21
